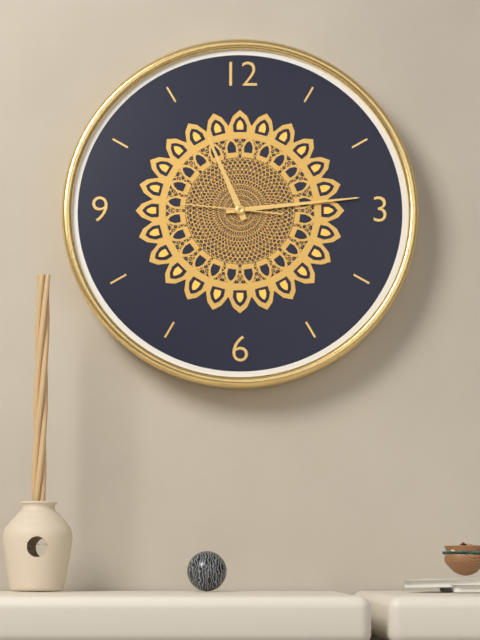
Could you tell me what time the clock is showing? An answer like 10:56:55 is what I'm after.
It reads 11:14:46
